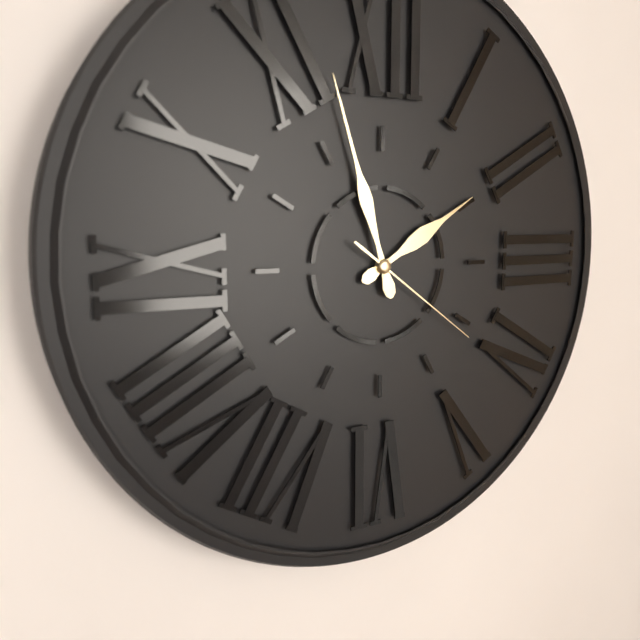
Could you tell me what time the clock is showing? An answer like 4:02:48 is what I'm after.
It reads 1:57:21
